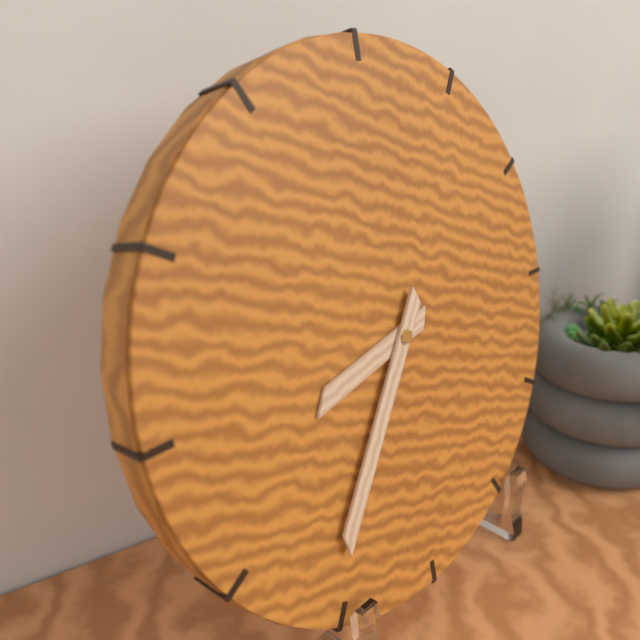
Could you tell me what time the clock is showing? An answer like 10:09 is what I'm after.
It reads 8:36
